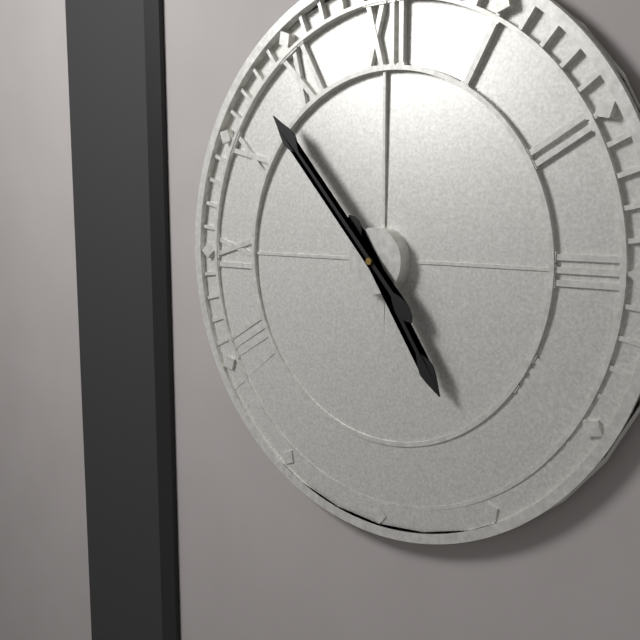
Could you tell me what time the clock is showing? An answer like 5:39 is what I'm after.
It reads 4:53
